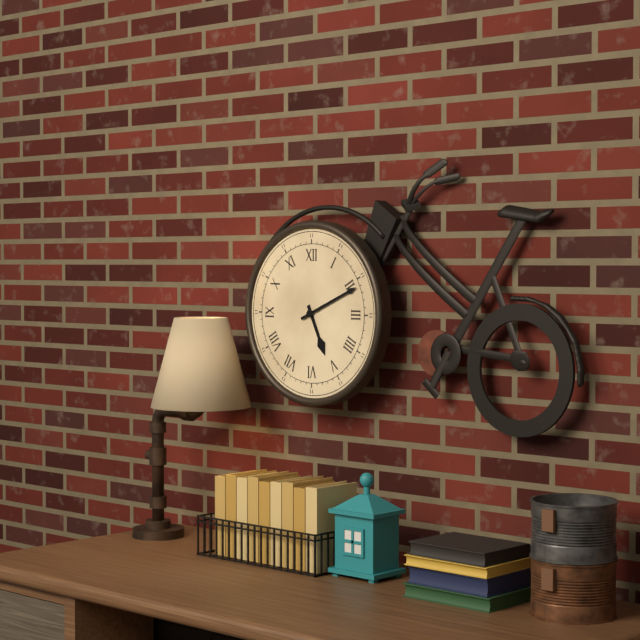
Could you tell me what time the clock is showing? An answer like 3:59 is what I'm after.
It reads 5:11
